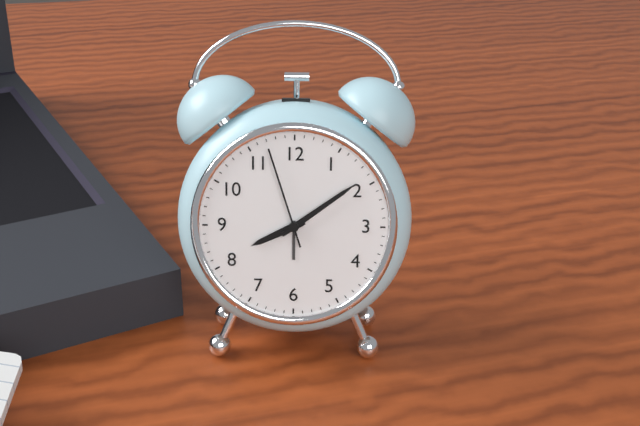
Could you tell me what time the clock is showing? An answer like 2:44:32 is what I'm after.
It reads 8:09:57
